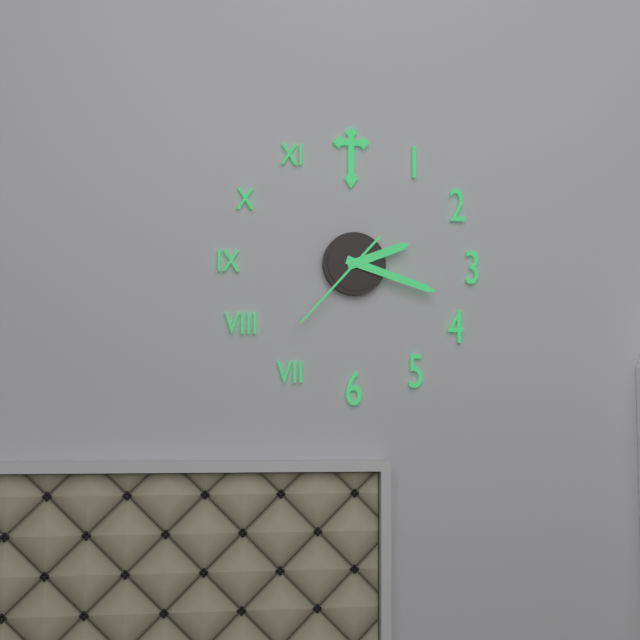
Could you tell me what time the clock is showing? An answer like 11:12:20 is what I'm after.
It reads 2:18:37
